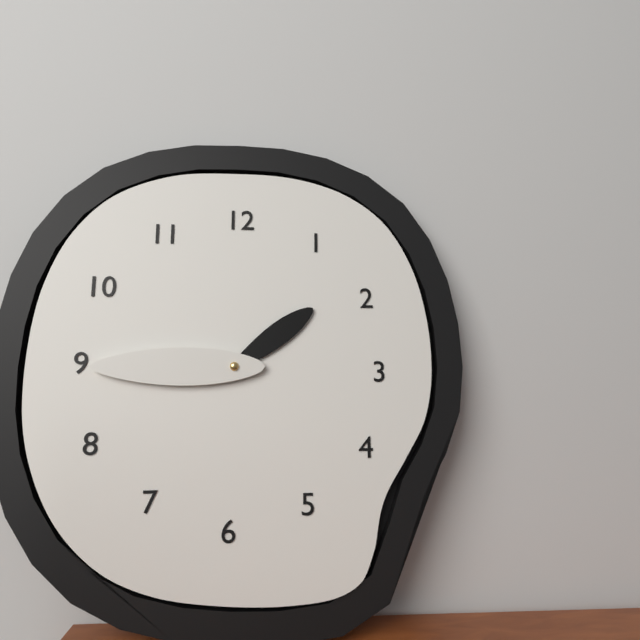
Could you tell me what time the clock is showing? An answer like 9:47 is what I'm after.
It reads 1:45
